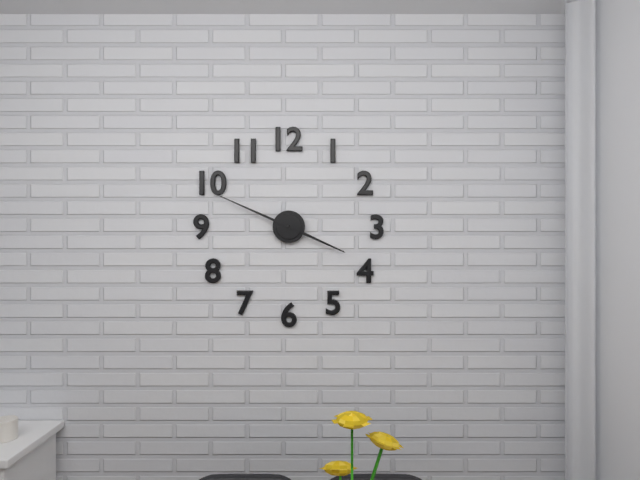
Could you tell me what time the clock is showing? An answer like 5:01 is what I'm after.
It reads 3:49
